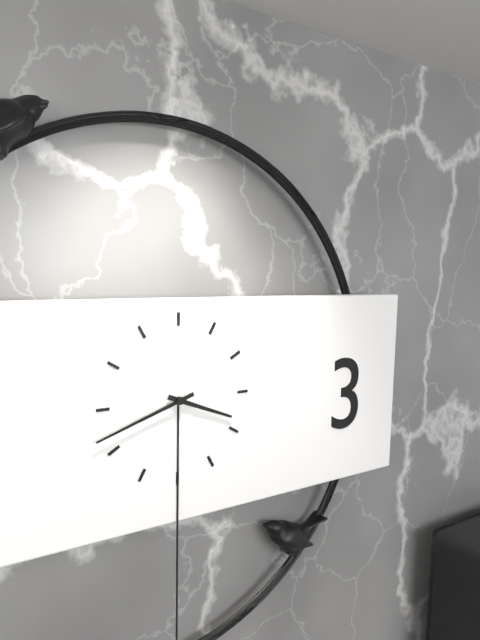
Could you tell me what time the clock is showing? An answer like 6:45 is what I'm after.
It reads 3:42
